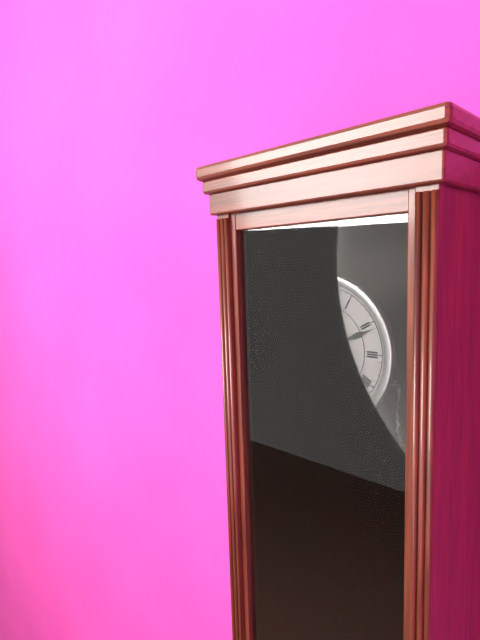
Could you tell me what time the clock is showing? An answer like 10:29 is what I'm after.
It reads 7:11
